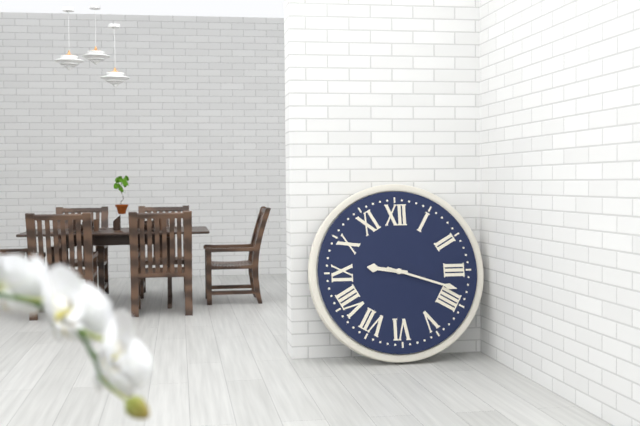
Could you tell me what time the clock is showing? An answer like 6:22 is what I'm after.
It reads 9:18
